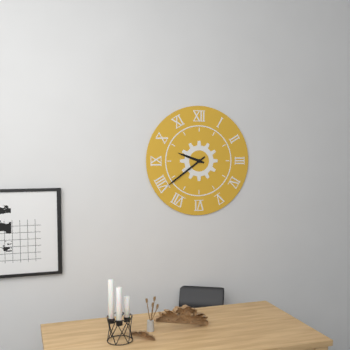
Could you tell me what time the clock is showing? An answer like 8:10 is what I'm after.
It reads 9:39
